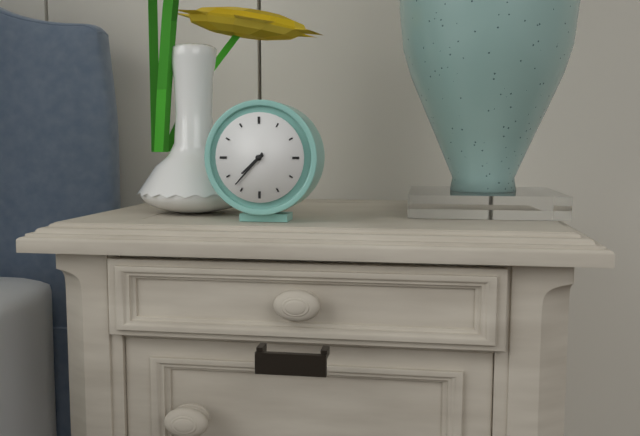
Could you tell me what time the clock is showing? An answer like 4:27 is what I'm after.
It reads 7:37
